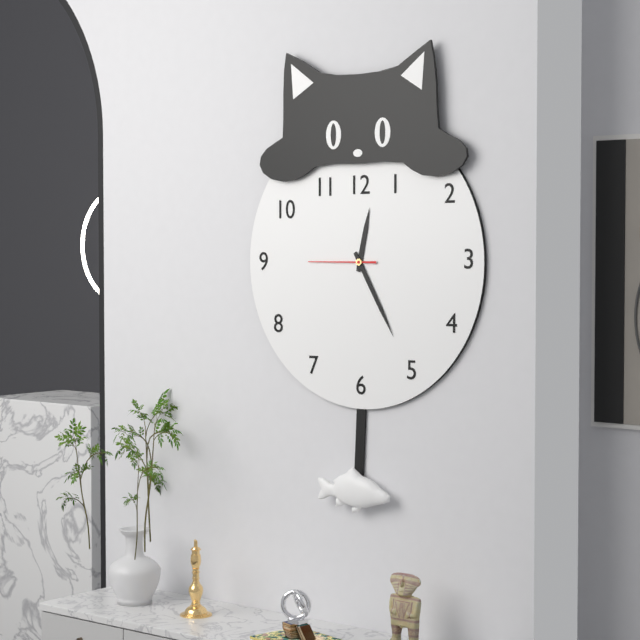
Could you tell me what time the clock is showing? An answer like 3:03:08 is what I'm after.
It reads 12:25:45
